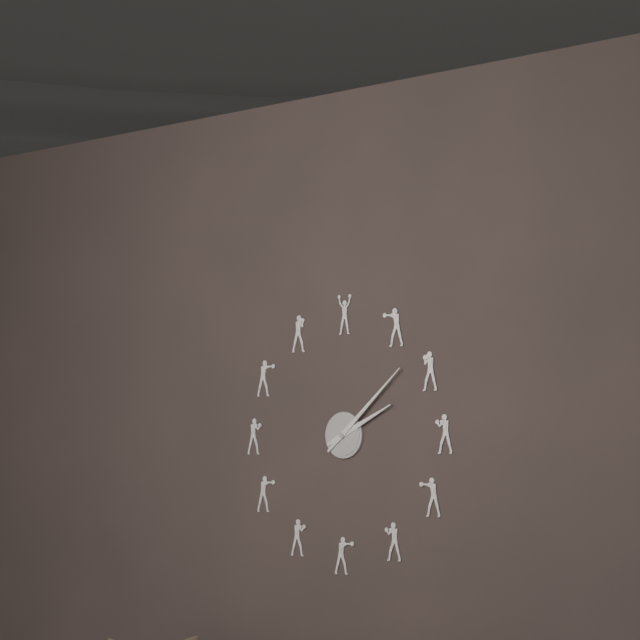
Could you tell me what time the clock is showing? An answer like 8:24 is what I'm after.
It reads 2:08
